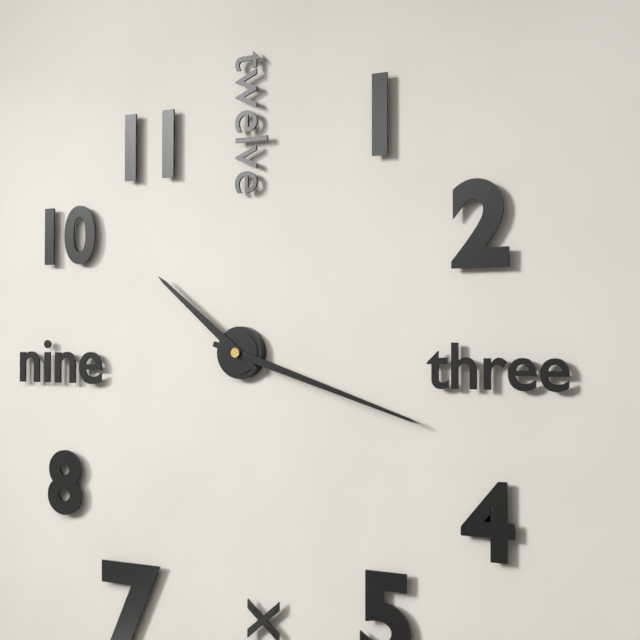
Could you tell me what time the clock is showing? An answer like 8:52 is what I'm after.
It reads 10:18
